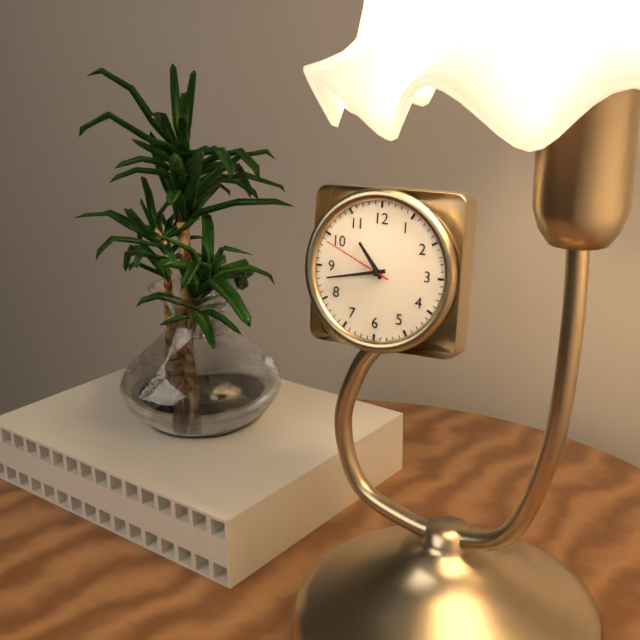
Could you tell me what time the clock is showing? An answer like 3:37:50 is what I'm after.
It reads 10:43:49
